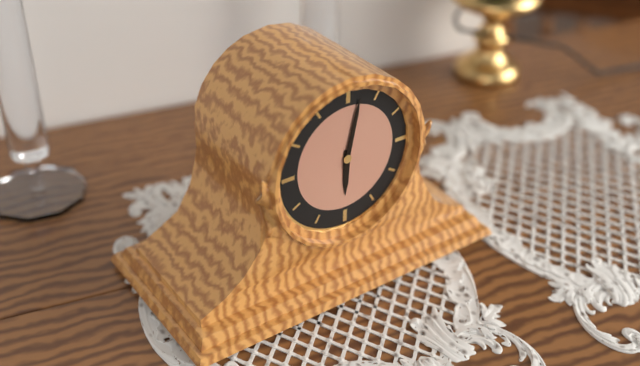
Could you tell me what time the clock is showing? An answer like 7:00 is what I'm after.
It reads 6:02
